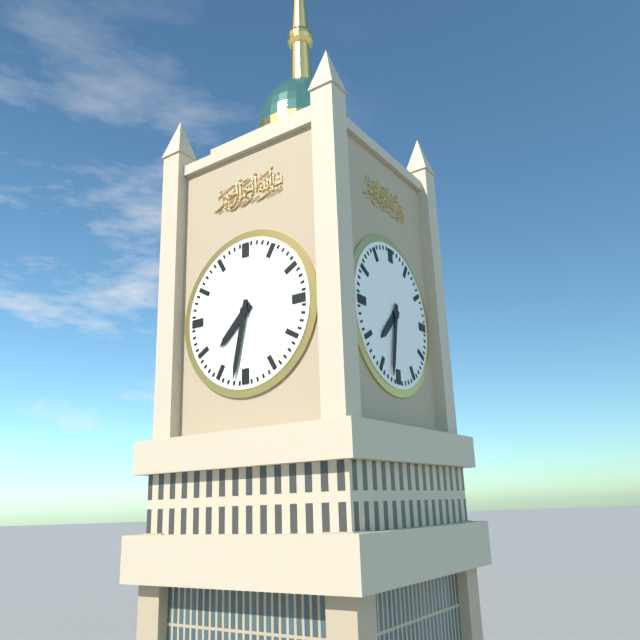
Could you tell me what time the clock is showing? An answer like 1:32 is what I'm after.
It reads 7:32
